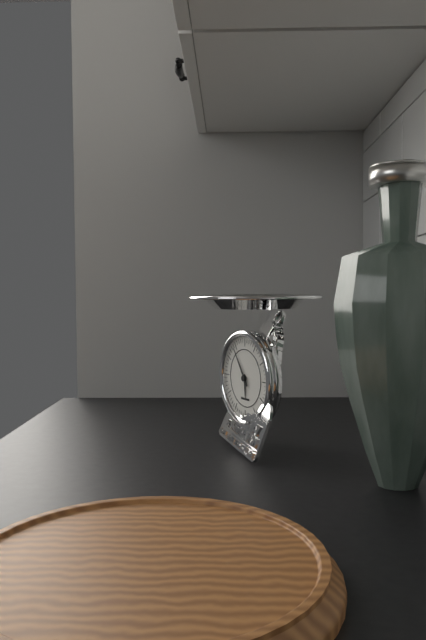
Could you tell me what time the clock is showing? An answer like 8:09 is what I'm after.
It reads 5:54
